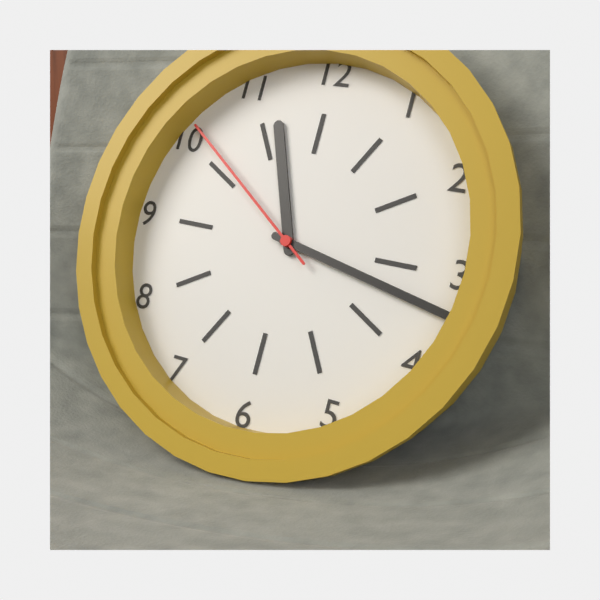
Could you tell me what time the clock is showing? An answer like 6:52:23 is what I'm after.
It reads 11:17:51
